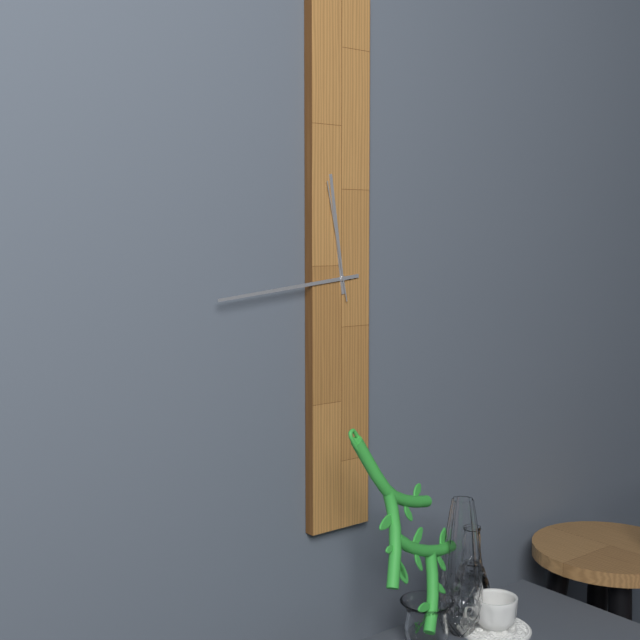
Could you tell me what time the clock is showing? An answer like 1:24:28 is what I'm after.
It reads 11:44:58
